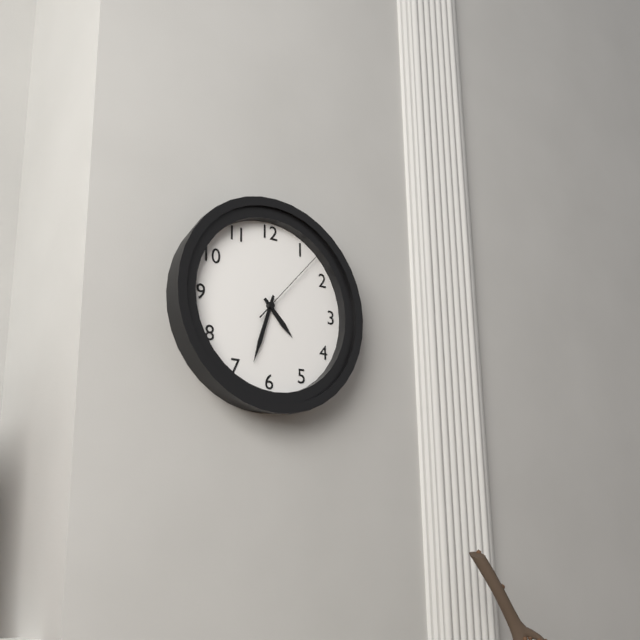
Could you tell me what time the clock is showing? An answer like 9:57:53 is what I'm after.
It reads 4:33:07
